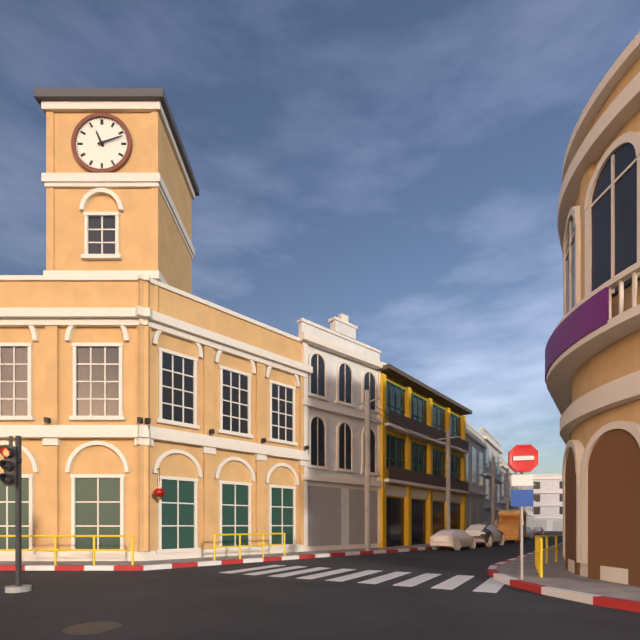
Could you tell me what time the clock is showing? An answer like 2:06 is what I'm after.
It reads 11:12
